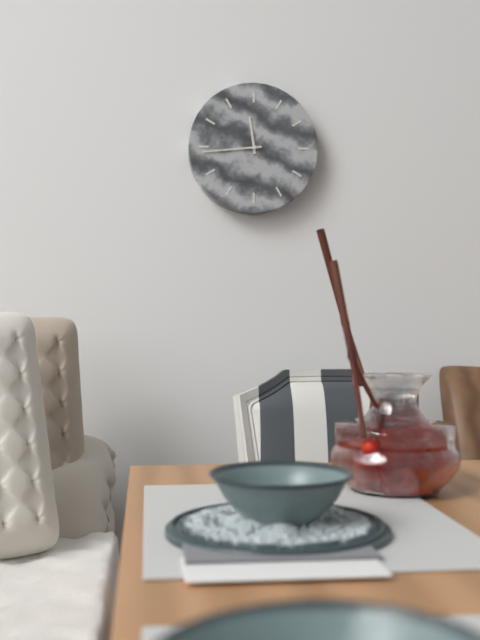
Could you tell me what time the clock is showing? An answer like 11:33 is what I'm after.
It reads 11:44
